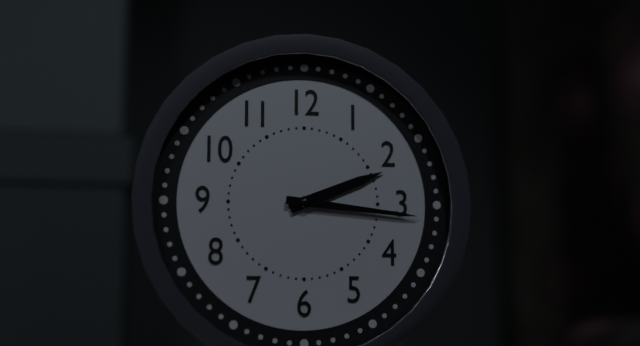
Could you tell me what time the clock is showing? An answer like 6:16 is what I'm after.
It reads 2:16
